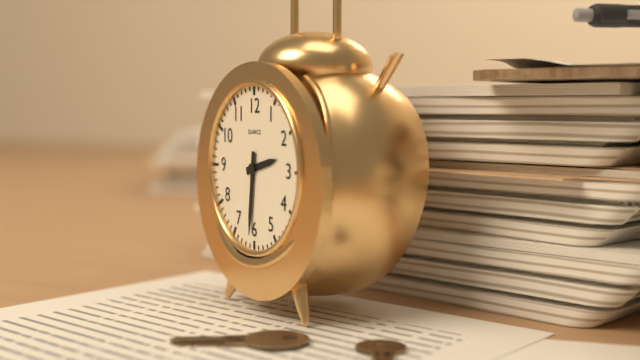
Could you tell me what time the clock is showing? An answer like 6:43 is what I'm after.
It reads 2:31
